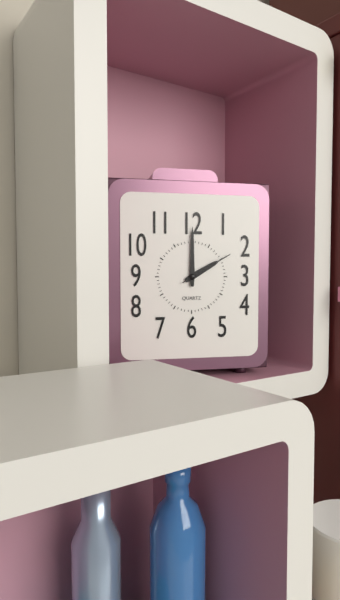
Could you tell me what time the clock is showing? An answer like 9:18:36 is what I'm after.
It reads 2:00:10
